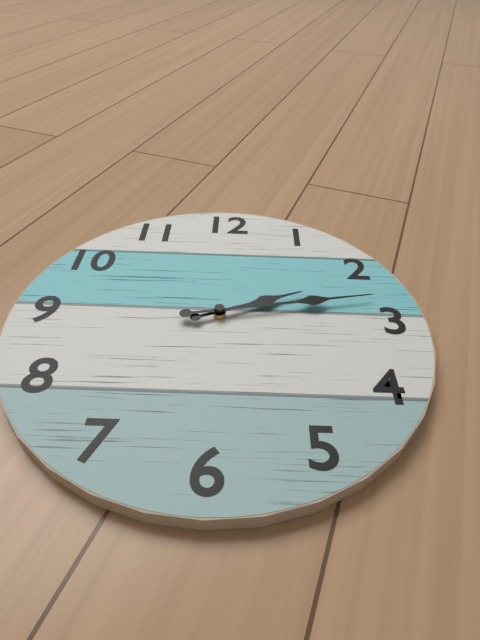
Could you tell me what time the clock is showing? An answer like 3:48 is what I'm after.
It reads 2:13
